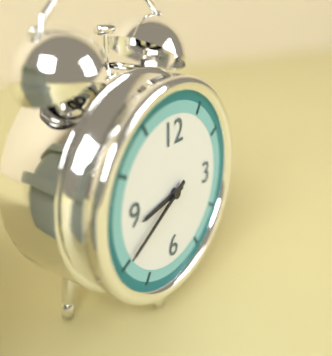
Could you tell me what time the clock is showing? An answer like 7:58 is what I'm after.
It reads 8:40
